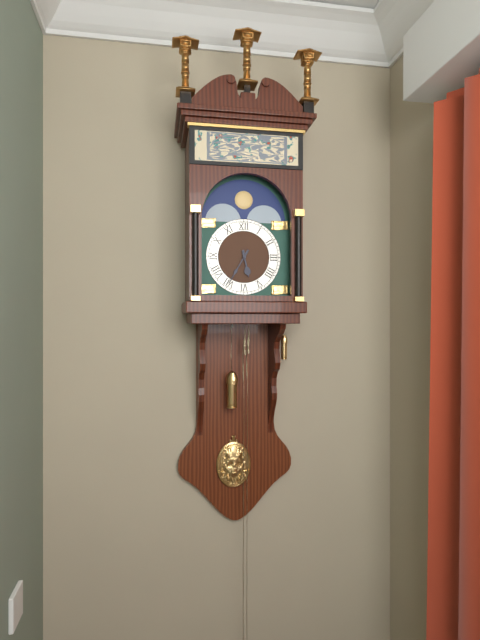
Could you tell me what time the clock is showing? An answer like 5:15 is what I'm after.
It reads 5:35
